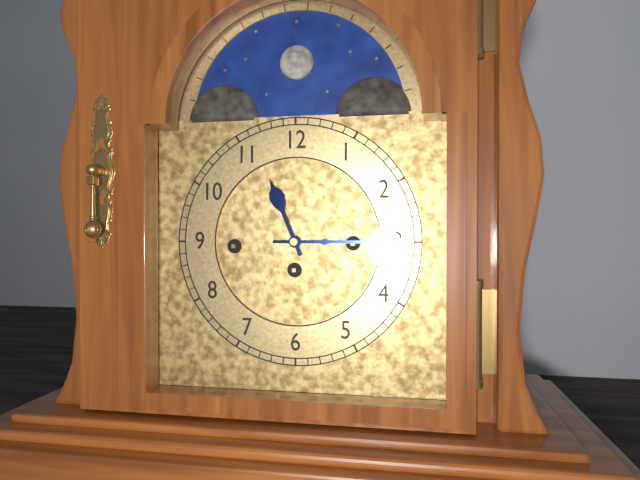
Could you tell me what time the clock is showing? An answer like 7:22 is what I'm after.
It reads 11:15
